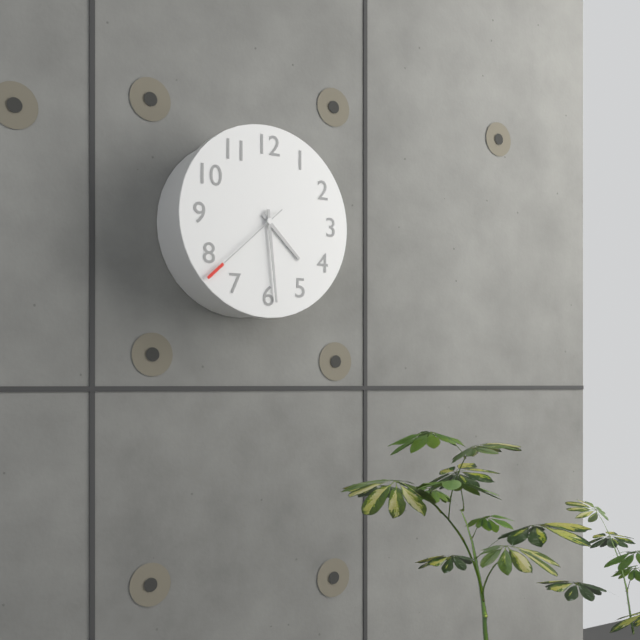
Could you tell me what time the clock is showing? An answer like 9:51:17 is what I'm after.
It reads 4:29:38
